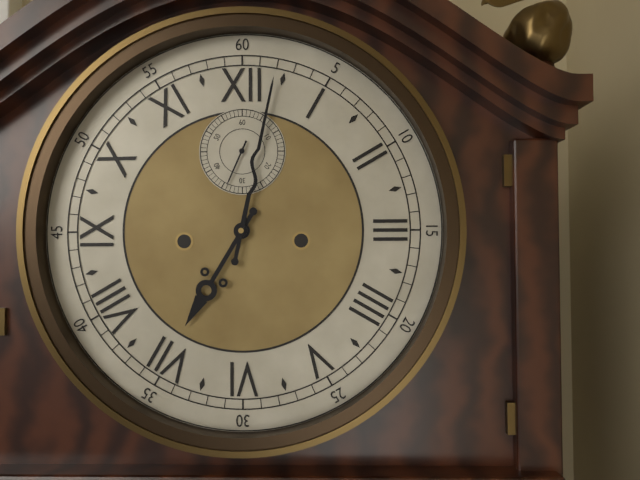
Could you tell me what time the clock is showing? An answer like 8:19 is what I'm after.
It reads 7:02
